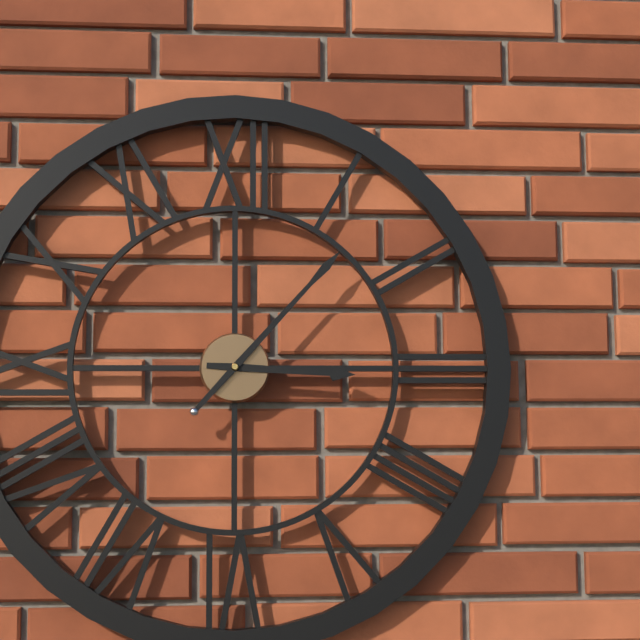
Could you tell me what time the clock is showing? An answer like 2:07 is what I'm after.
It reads 3:07
